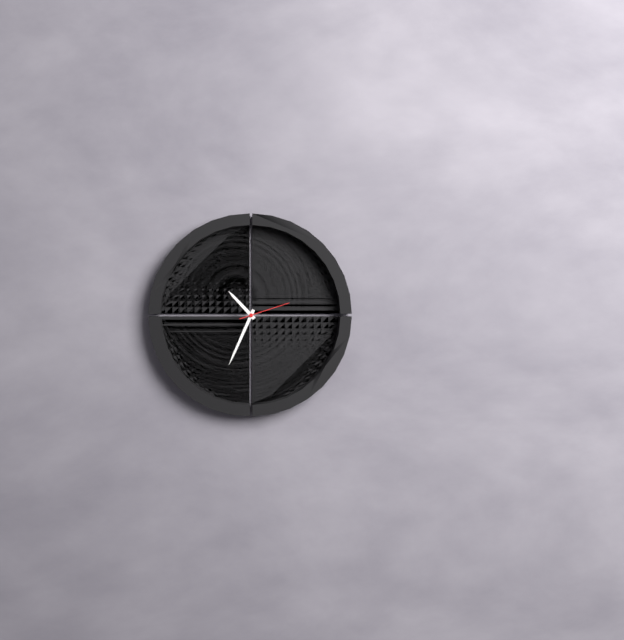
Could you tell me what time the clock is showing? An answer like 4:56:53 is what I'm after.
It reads 10:34:12
